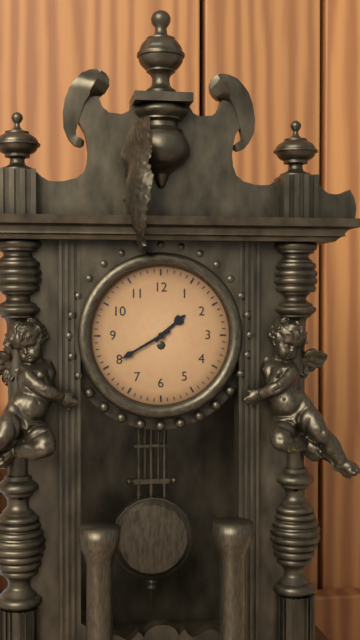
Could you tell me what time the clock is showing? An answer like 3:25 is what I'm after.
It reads 1:40
